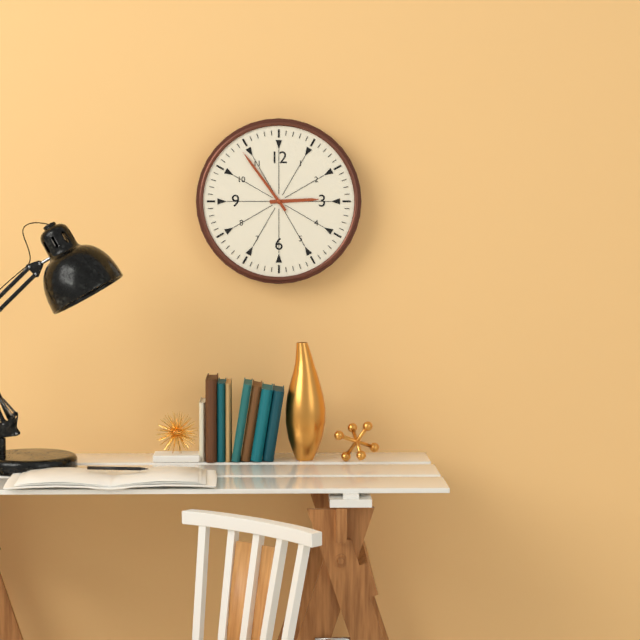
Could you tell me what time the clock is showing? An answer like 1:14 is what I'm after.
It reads 2:54
